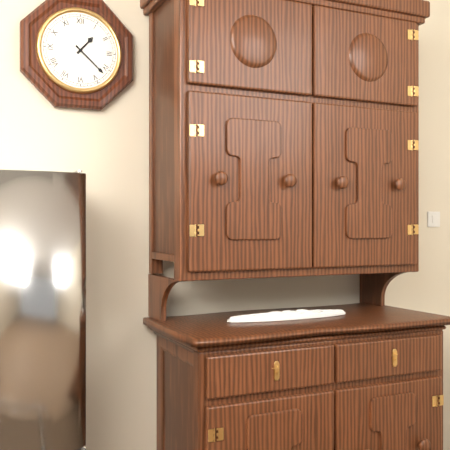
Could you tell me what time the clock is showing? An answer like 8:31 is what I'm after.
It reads 1:22
